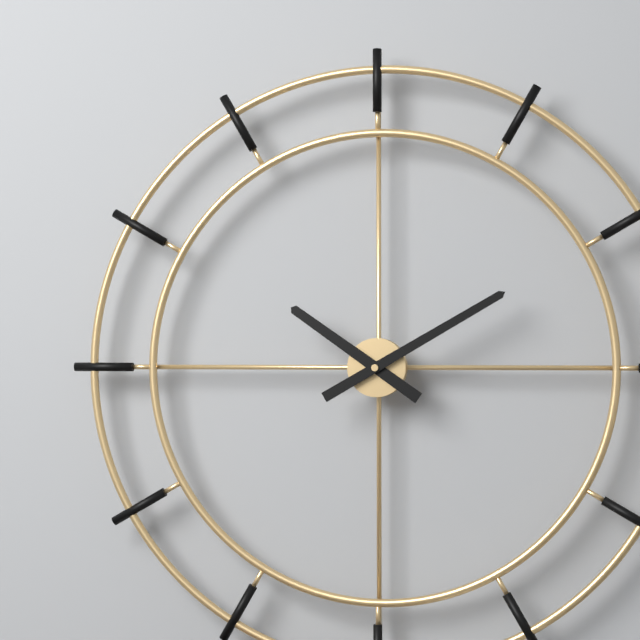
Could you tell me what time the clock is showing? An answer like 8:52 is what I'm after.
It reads 10:10
